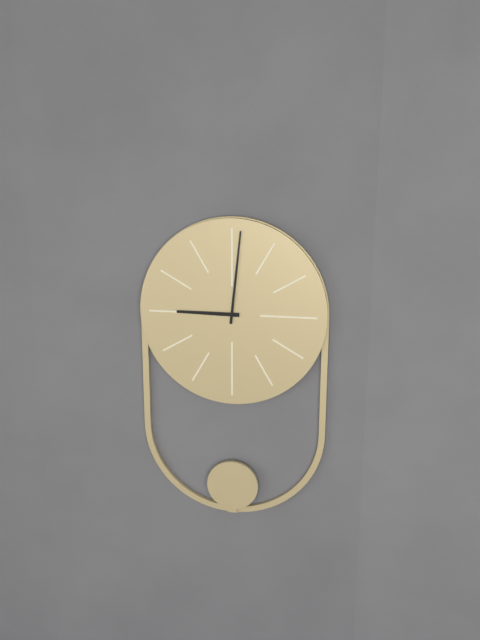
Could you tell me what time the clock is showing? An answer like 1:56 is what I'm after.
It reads 9:01
